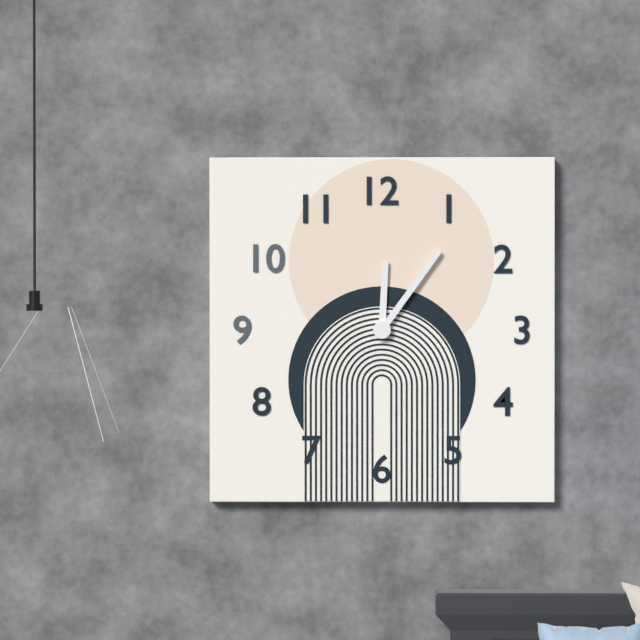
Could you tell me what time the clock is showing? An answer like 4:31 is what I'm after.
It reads 12:06
